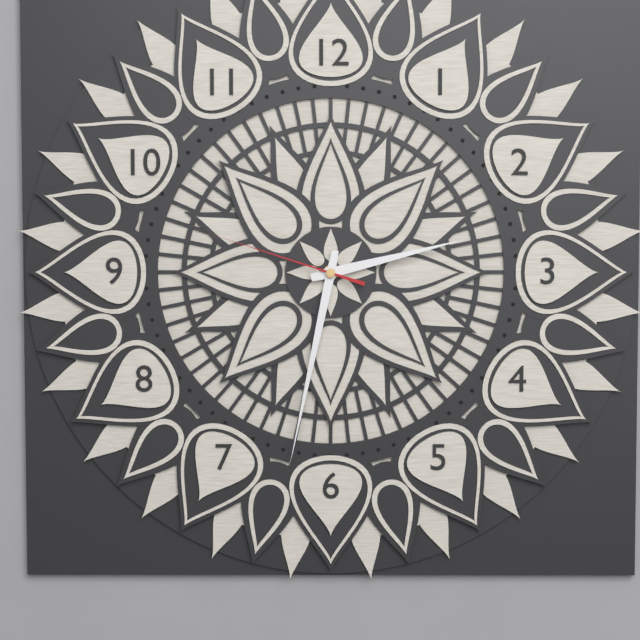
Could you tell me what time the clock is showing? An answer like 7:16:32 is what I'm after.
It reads 2:32:48
